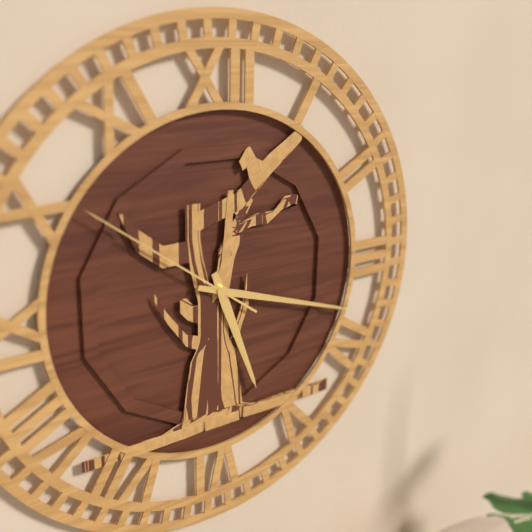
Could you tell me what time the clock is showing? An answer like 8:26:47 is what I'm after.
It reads 5:18:51
